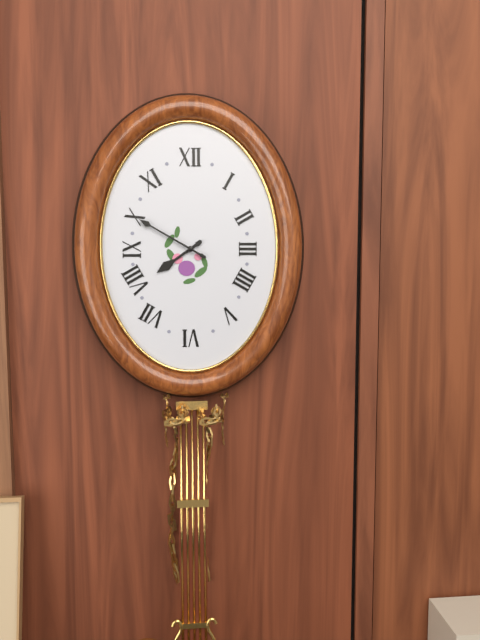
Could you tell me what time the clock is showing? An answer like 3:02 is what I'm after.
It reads 7:50
